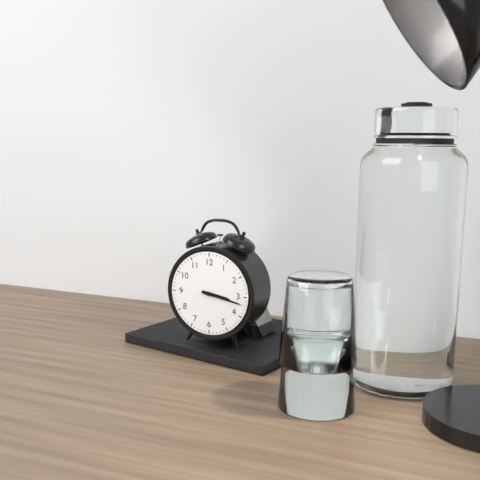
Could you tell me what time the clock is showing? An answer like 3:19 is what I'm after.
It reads 3:17
